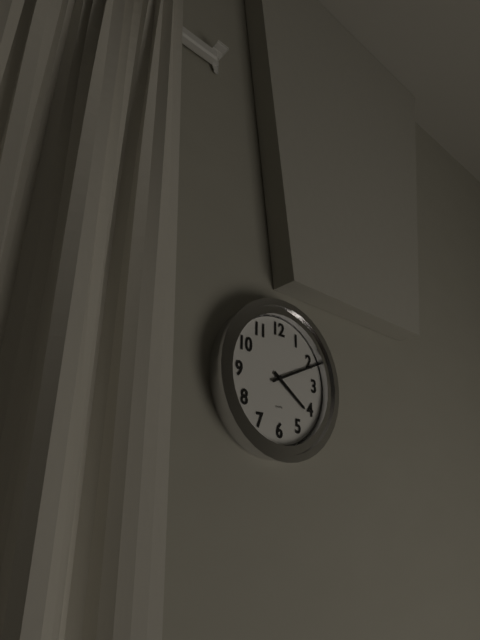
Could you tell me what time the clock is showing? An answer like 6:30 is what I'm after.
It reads 4:11
